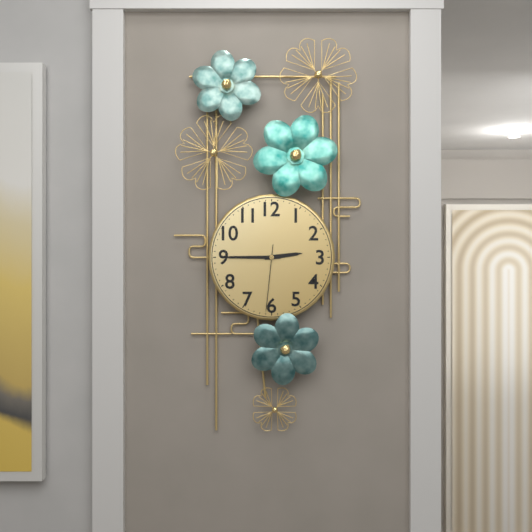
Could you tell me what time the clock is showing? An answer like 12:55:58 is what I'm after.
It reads 2:45:31
